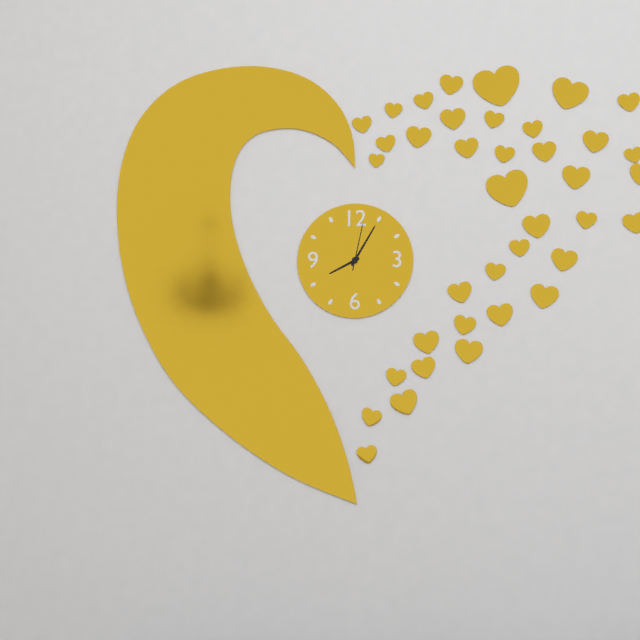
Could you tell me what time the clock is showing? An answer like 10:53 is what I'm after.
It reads 8:05
